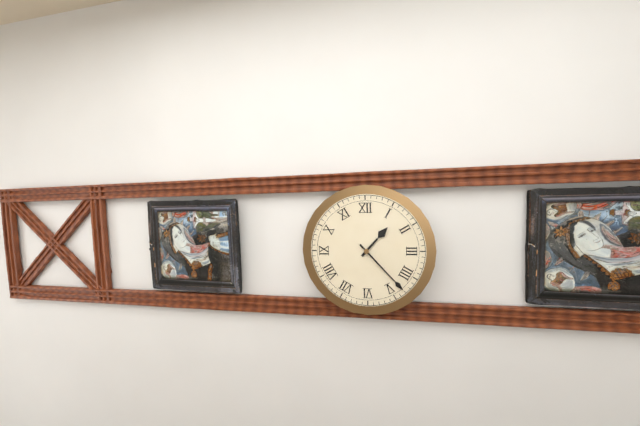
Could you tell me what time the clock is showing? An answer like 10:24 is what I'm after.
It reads 1:23
